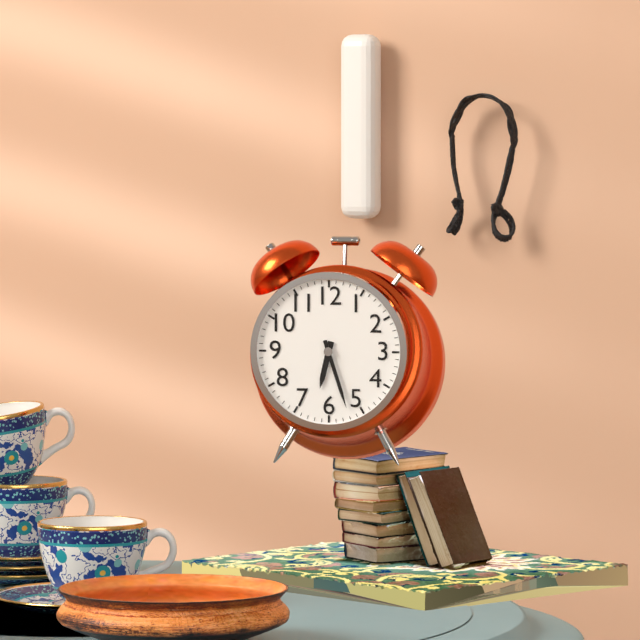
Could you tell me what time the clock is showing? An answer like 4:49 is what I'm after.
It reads 6:27
